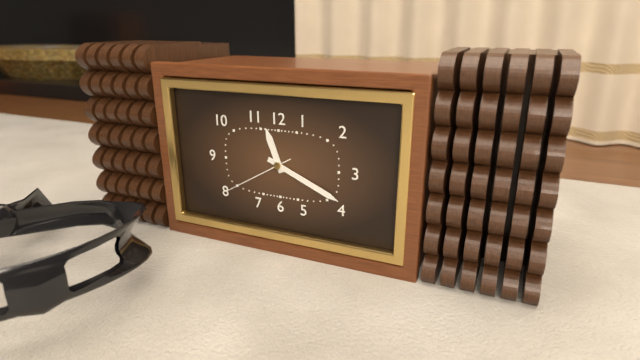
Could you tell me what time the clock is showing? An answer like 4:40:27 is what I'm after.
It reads 11:19:40
